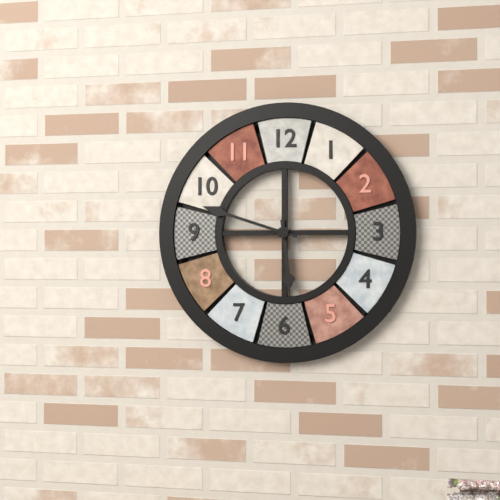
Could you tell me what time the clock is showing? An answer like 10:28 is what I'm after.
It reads 5:48
